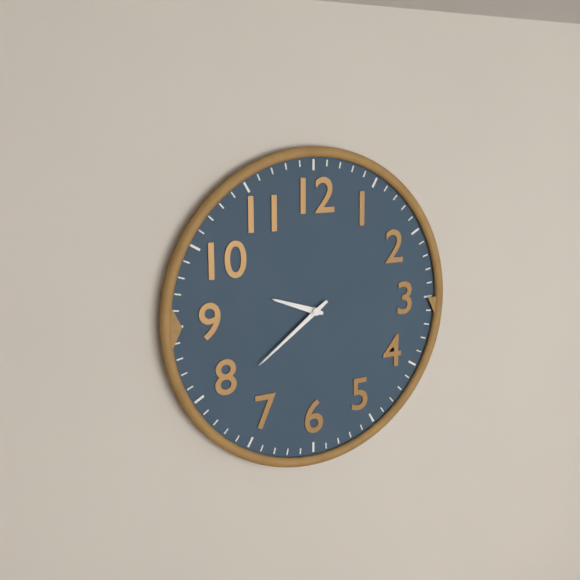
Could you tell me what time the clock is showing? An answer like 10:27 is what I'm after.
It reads 9:39
